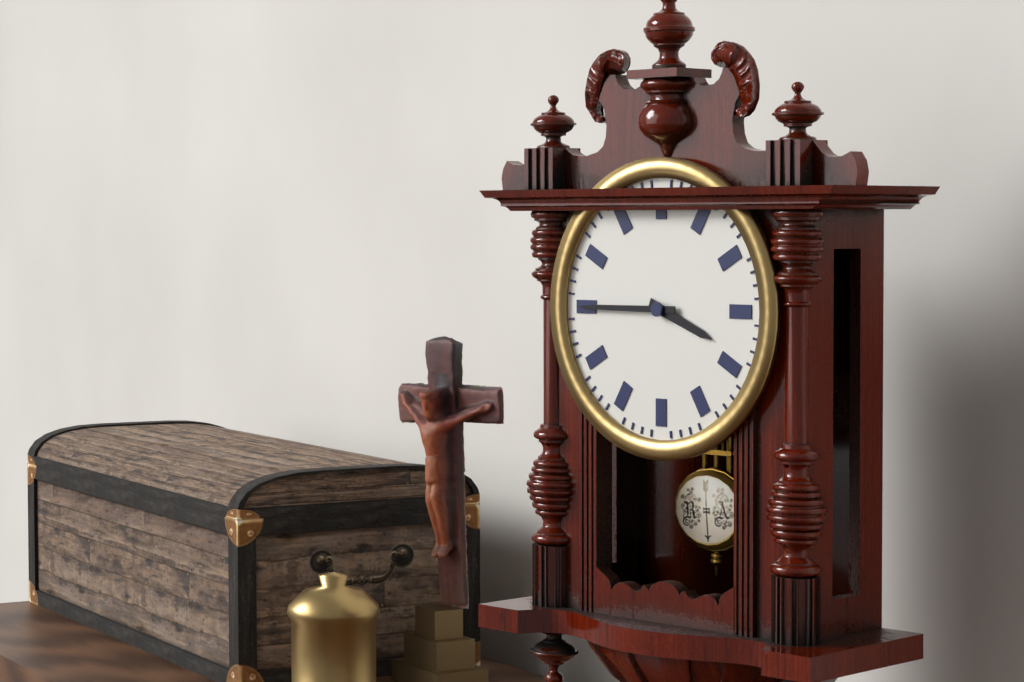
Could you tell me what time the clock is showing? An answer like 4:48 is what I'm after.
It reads 3:45
